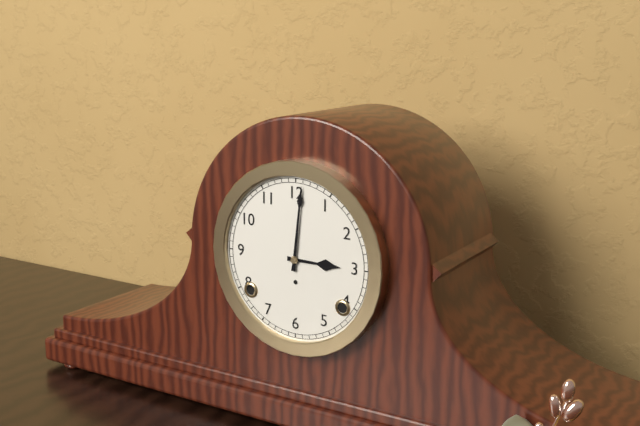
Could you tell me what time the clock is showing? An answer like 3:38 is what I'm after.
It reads 3:01
